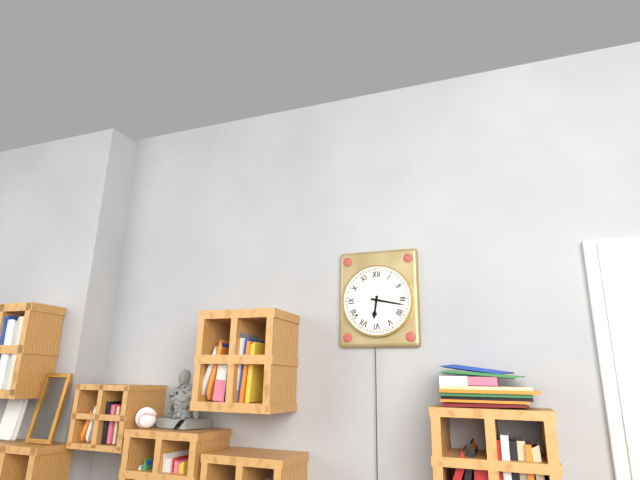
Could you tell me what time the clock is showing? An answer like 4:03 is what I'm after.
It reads 6:17
